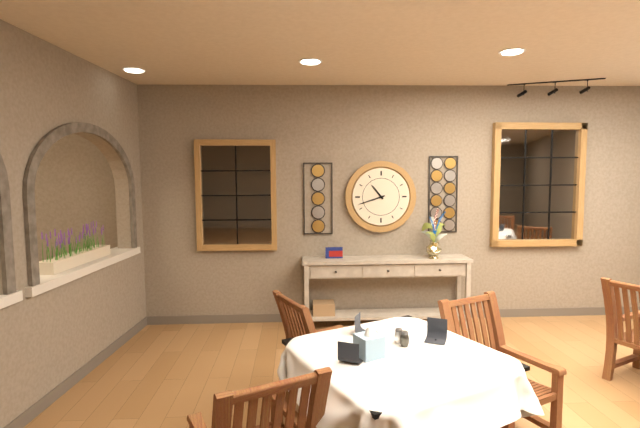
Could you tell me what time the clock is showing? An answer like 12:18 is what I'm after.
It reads 10:42
